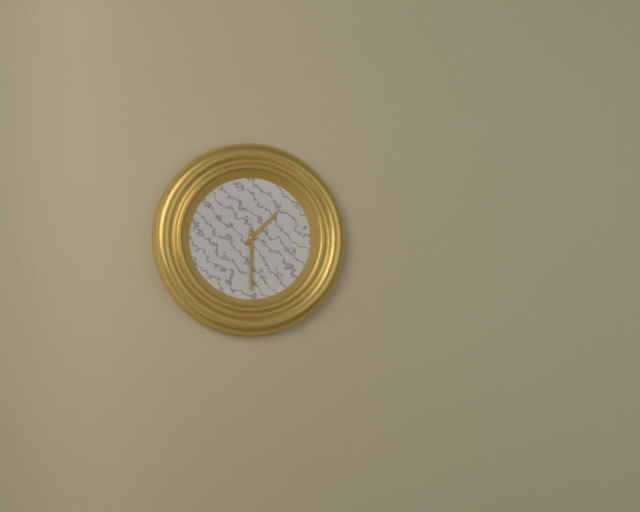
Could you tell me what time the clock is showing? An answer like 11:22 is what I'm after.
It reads 1:30
